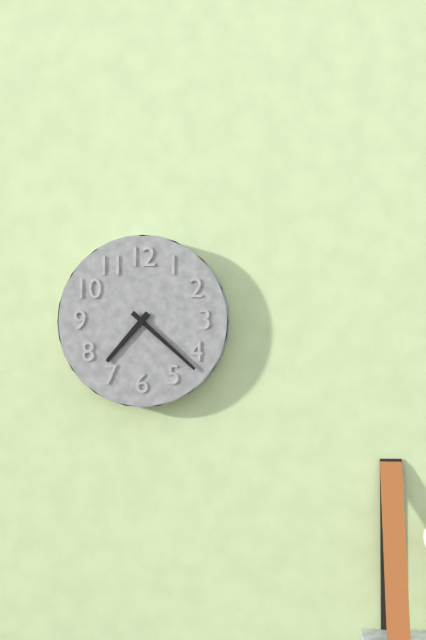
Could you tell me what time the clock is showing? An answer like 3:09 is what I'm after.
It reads 7:22
